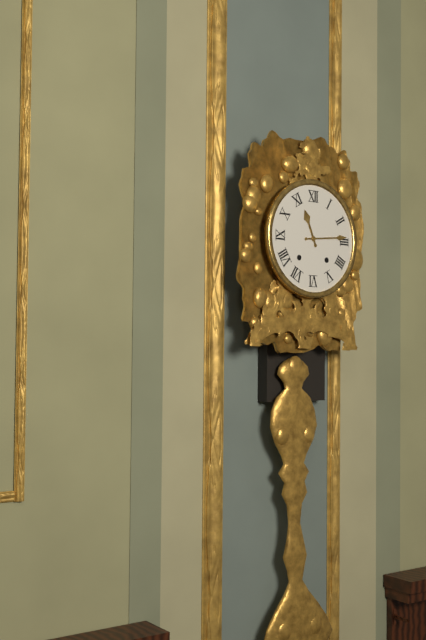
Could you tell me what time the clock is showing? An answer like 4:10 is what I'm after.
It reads 11:14
